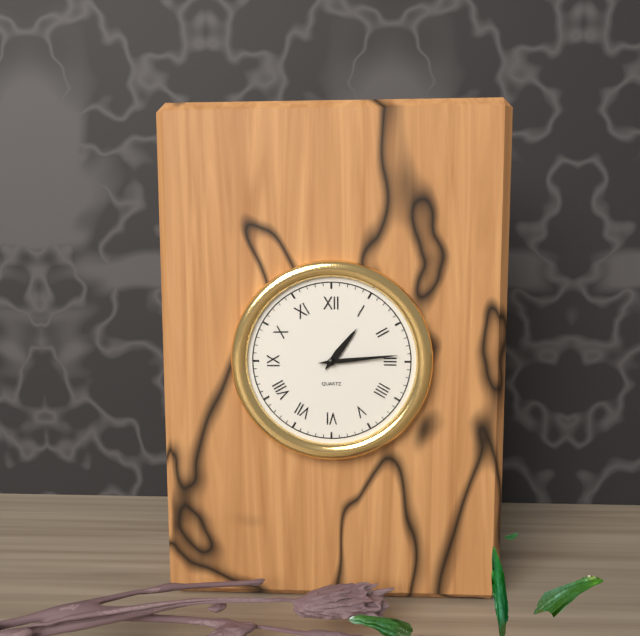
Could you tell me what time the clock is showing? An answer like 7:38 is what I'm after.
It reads 1:14
